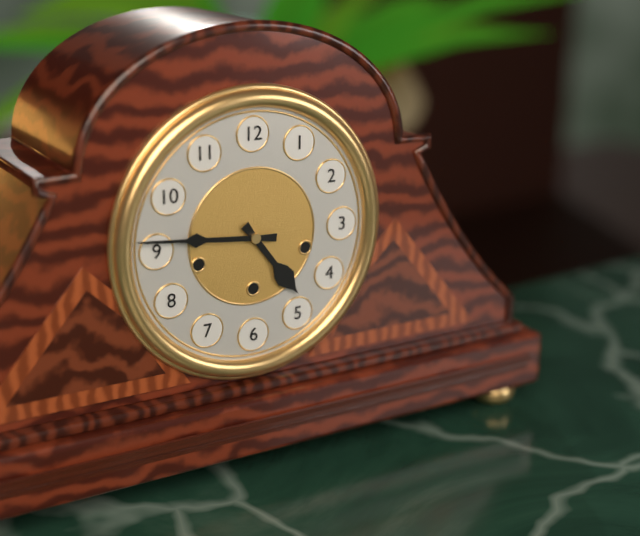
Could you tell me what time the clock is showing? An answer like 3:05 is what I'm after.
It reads 4:46
